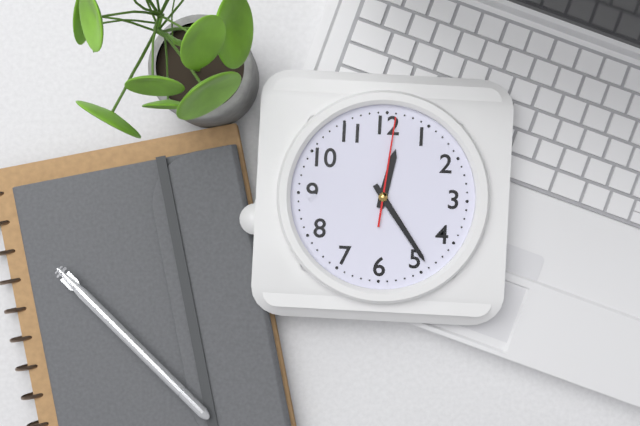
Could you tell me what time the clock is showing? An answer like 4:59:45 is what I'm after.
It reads 12:24:01
